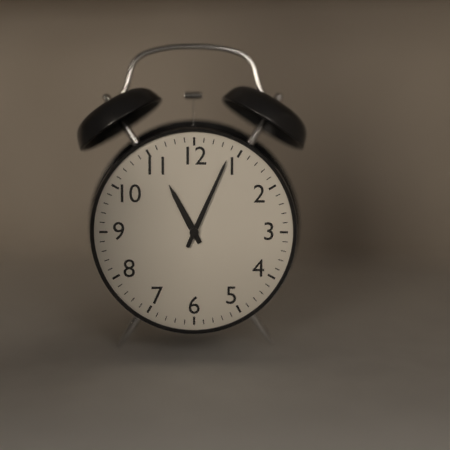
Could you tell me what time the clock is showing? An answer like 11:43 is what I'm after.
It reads 11:04
